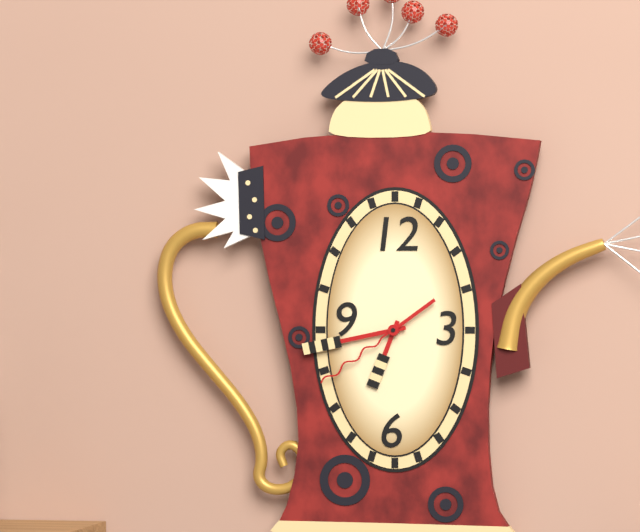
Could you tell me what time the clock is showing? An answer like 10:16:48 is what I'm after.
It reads 6:43:39
